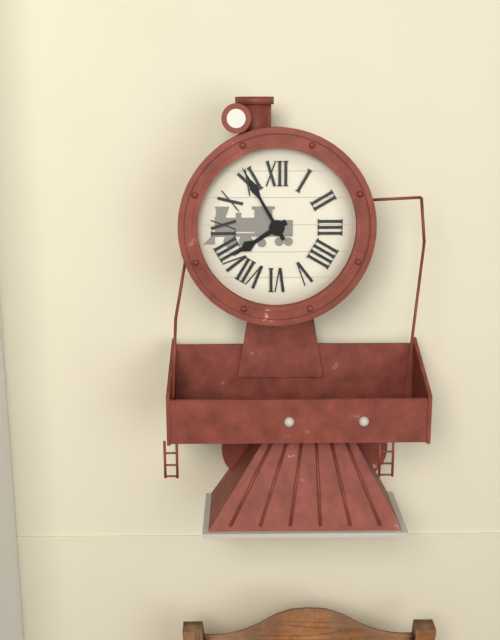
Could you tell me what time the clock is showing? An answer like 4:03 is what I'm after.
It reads 7:55
